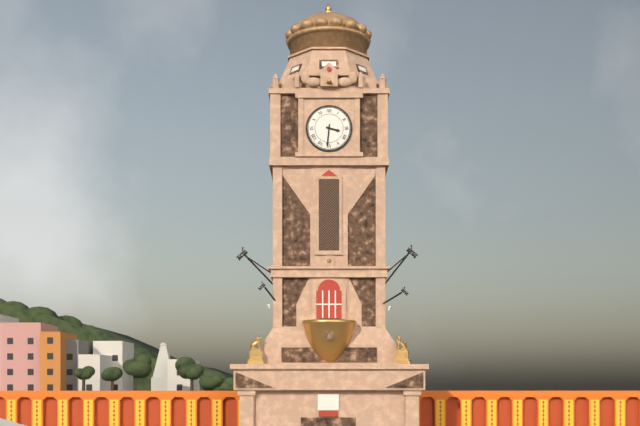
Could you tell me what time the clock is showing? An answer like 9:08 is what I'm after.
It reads 3:31
